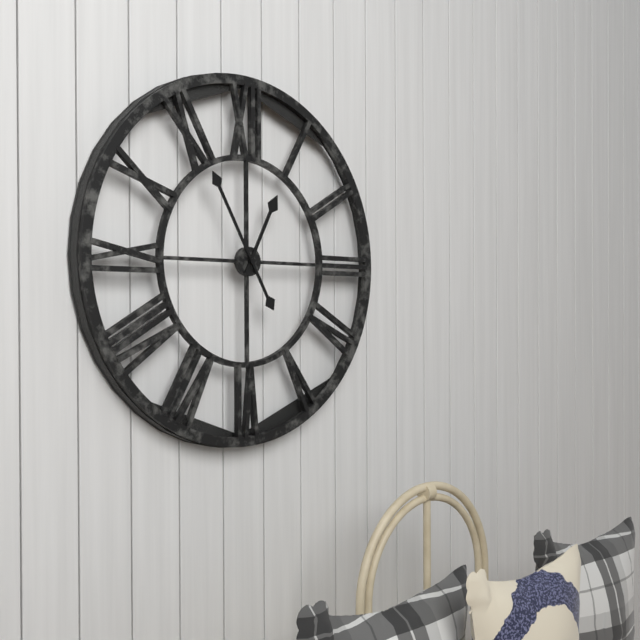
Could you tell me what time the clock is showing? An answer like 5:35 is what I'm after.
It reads 12:55
